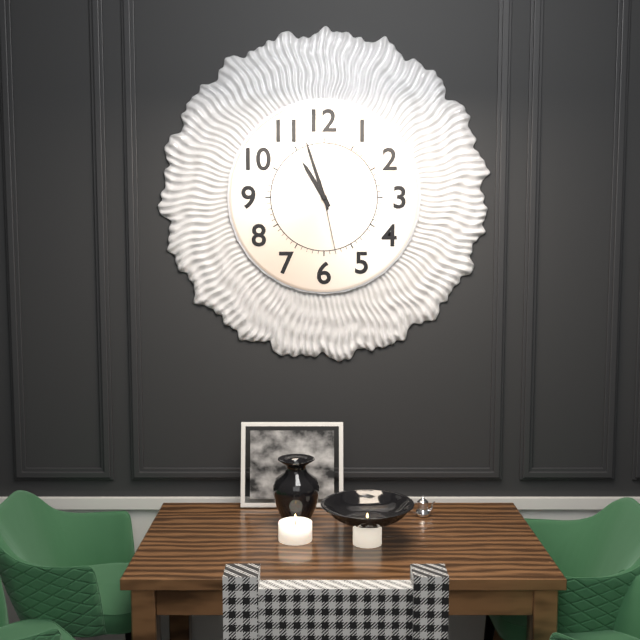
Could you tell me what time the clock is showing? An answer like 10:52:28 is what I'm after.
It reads 10:57:28
